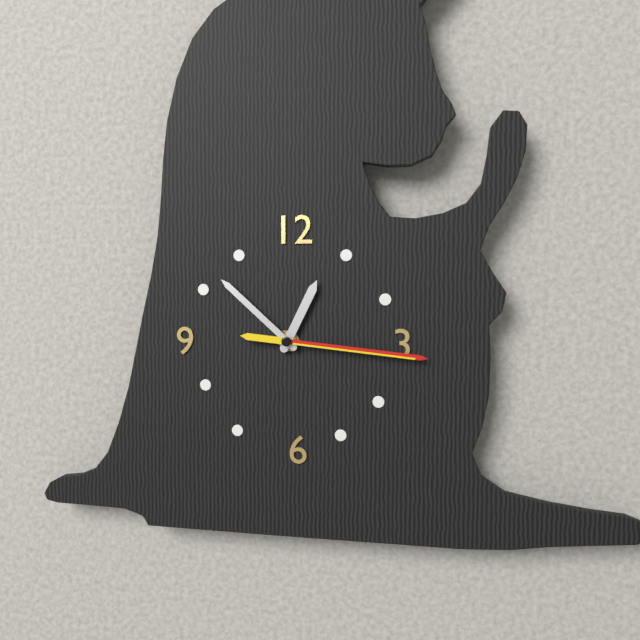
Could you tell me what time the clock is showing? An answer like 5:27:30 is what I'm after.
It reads 12:52:16
